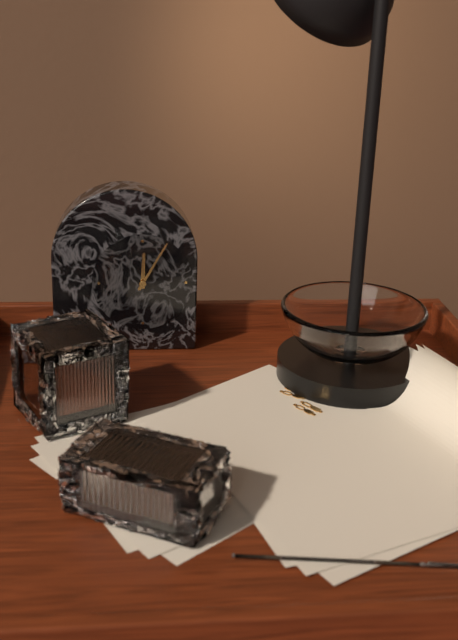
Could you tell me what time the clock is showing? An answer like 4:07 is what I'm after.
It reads 12:05
